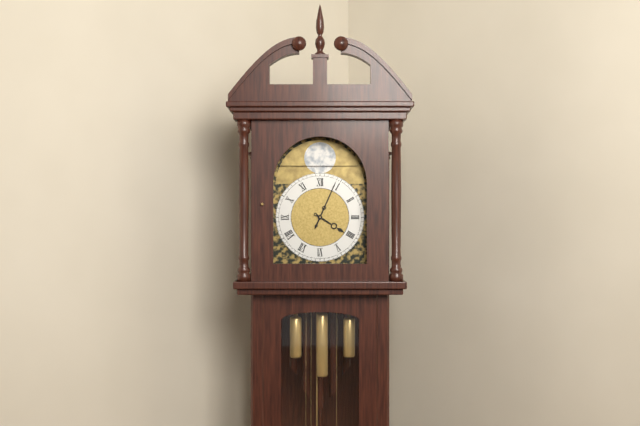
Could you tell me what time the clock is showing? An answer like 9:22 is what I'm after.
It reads 4:04
